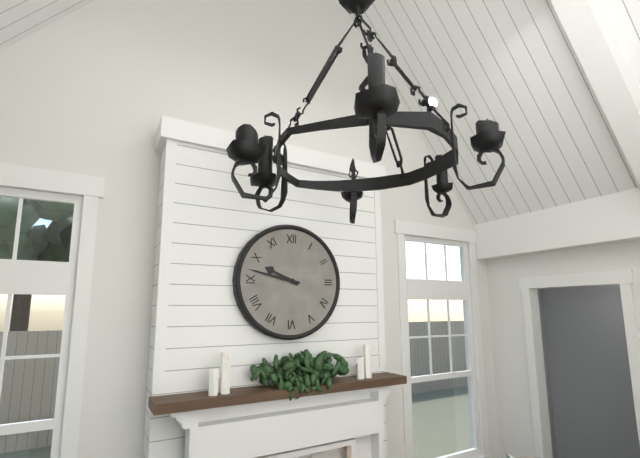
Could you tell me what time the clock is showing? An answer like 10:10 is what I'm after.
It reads 9:47
